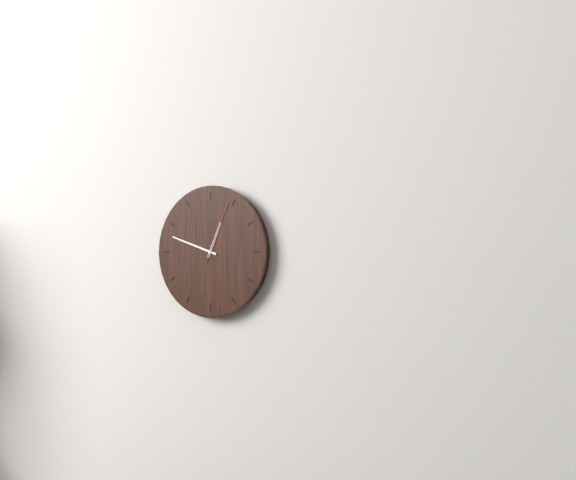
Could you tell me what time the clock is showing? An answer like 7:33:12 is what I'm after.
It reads 12:48:04
